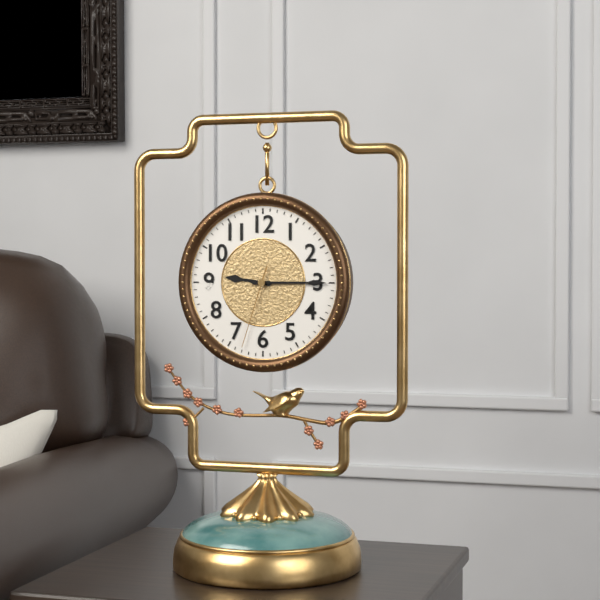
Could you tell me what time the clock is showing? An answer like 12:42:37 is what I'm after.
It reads 9:15:33
